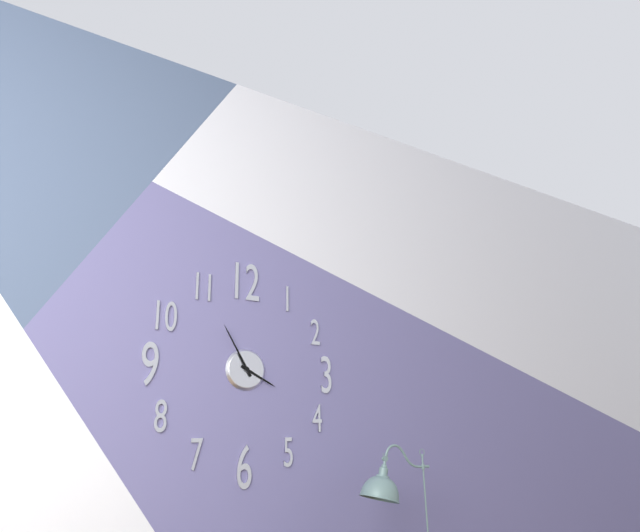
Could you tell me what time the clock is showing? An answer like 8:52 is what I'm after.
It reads 3:55
